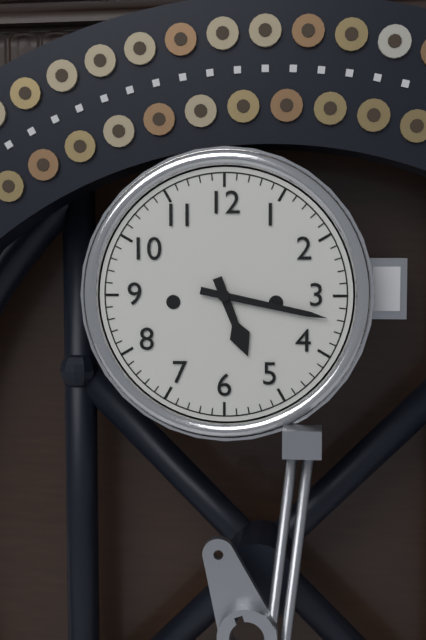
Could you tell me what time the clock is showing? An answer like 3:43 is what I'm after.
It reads 5:17
